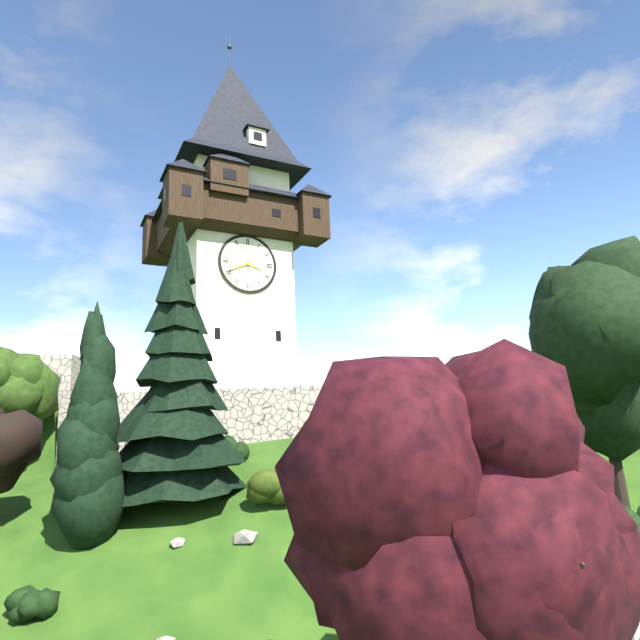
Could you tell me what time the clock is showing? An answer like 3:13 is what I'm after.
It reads 3:41
